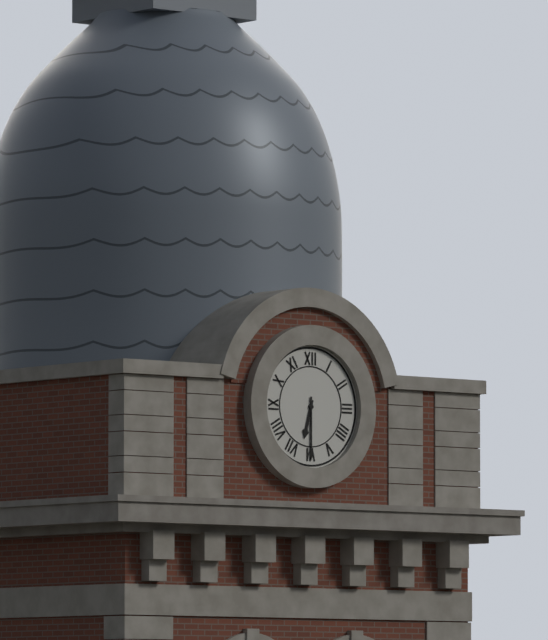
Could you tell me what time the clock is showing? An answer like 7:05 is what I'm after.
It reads 6:30
